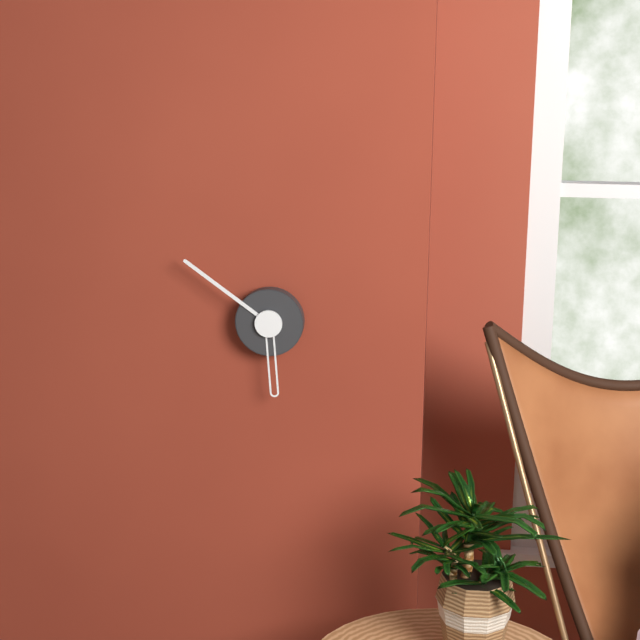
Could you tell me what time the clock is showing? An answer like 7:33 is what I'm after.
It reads 5:51
